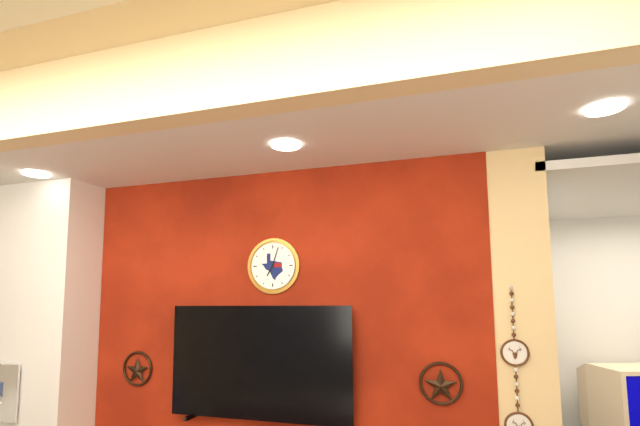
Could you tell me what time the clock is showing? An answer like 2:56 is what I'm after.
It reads 7:03
